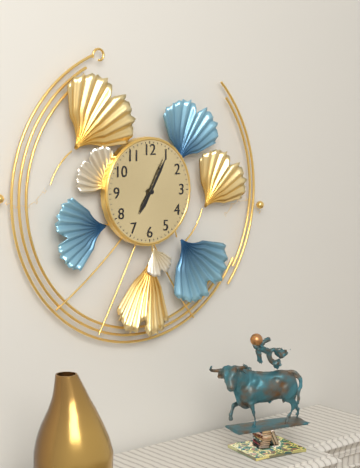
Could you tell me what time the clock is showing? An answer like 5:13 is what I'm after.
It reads 7:05
